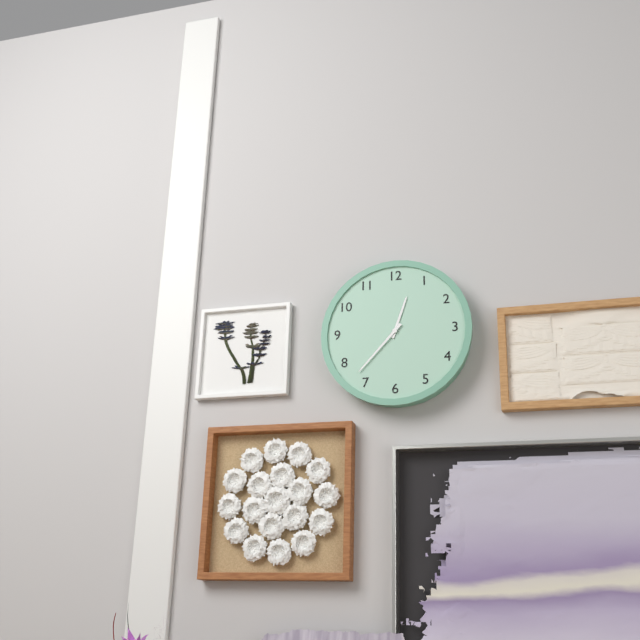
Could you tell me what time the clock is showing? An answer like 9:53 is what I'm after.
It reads 12:37
